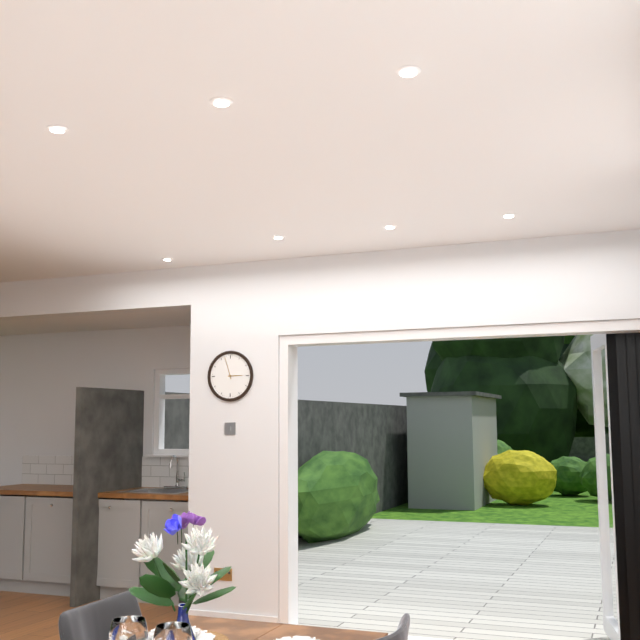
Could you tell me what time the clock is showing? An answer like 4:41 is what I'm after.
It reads 2:57
